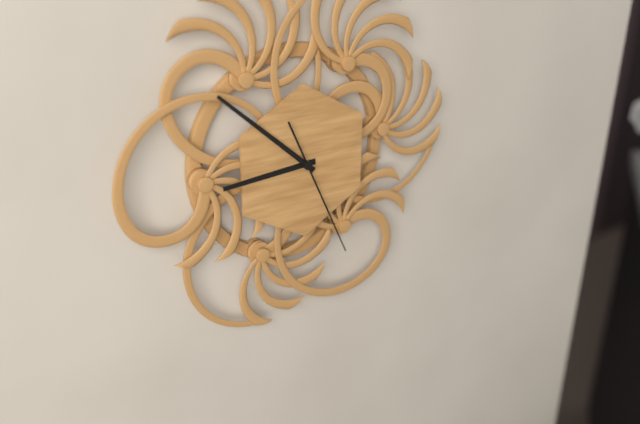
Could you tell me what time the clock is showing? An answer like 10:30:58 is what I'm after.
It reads 8:52:26
